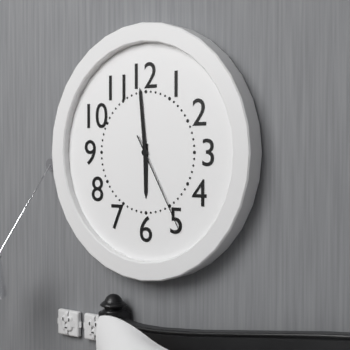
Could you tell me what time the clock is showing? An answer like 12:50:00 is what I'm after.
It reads 5:59:25
